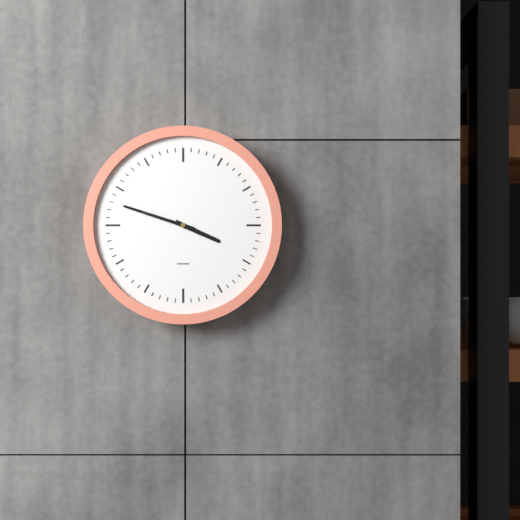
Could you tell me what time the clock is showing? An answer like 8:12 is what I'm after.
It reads 3:48
